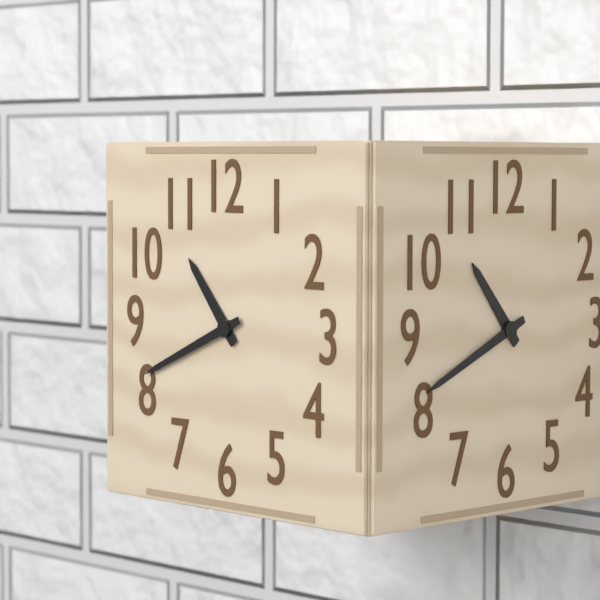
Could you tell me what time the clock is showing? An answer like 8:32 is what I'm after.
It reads 10:41
